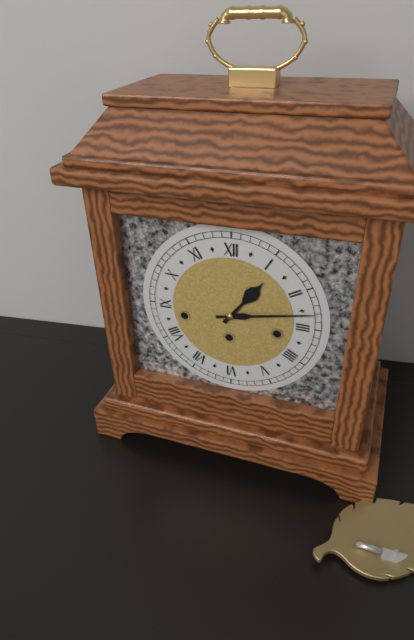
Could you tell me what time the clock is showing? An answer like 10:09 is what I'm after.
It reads 1:13
